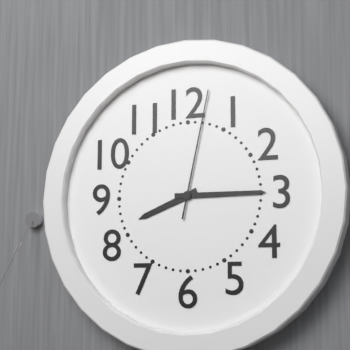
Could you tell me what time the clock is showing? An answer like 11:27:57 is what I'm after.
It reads 8:15:02
